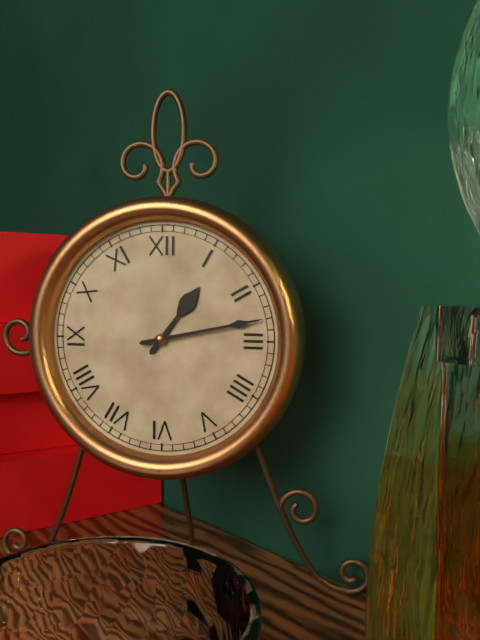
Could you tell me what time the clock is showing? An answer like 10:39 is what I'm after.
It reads 1:13
